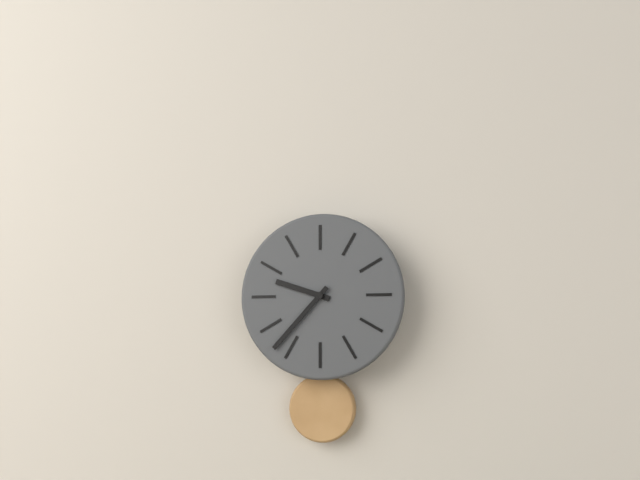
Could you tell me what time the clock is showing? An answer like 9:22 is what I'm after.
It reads 9:37
